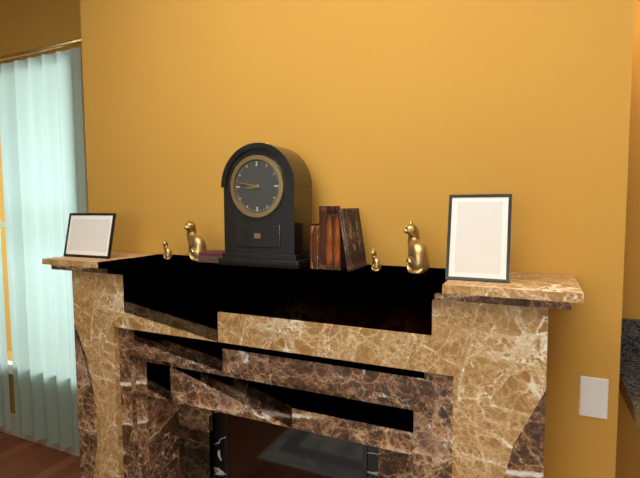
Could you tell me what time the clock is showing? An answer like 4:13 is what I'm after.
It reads 8:47
